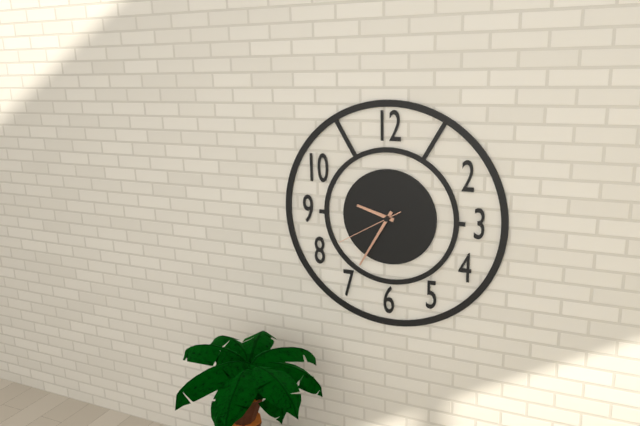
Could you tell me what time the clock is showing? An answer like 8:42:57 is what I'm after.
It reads 9:35:40
